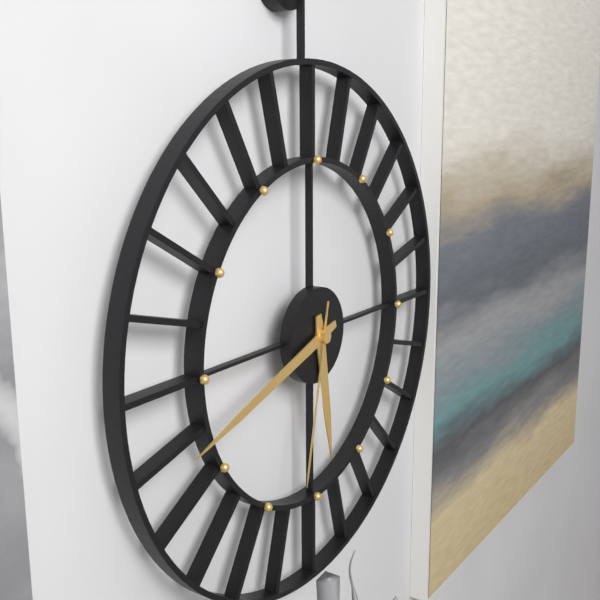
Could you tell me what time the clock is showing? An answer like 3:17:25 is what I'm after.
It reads 5:42:32
